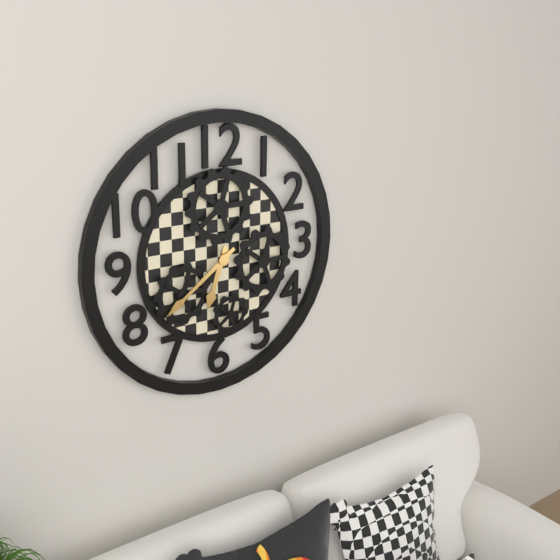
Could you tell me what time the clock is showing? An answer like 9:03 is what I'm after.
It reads 6:39
